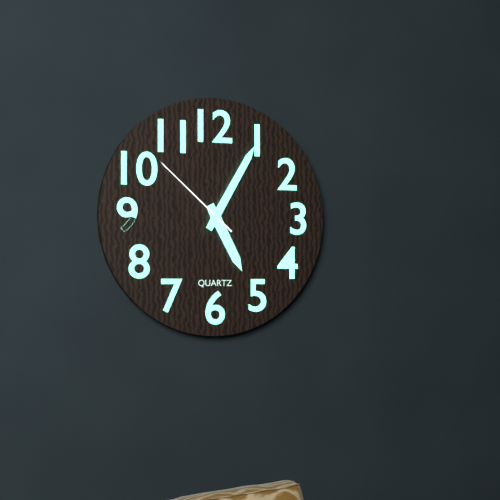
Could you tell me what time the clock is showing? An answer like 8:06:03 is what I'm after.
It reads 5:05:52
